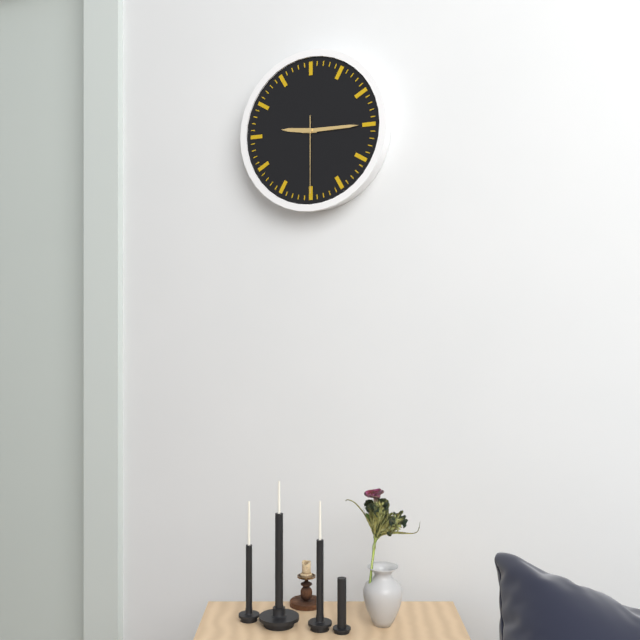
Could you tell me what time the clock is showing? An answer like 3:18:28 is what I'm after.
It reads 9:15:30
